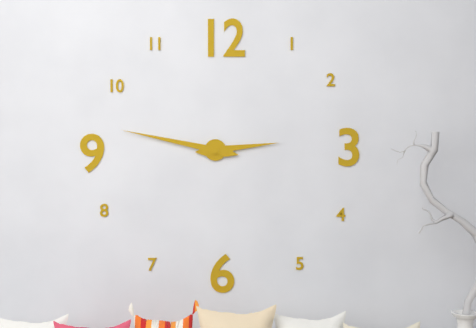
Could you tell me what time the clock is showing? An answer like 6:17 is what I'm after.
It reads 2:47
